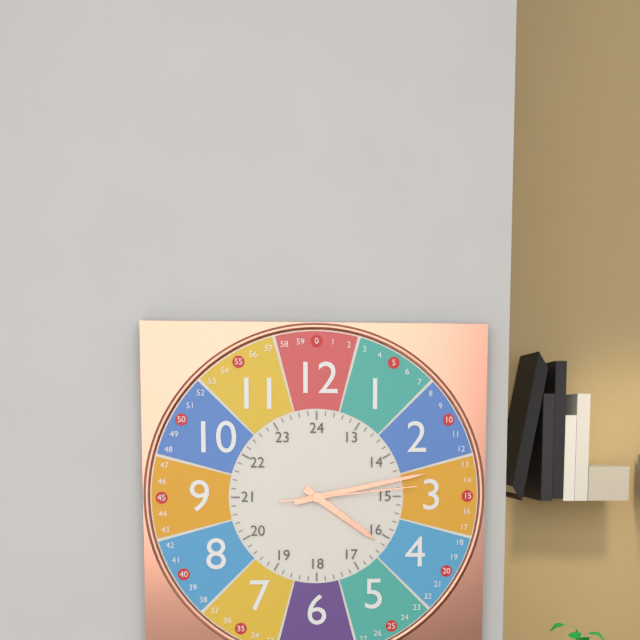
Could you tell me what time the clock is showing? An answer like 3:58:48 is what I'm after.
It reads 4:13:14
